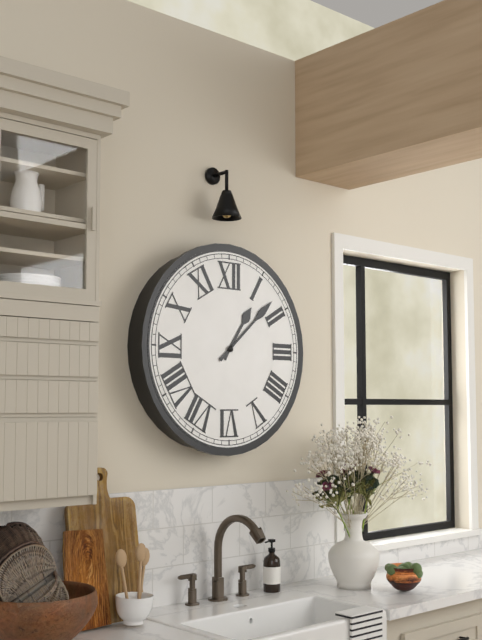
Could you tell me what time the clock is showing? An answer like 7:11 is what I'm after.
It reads 1:08
